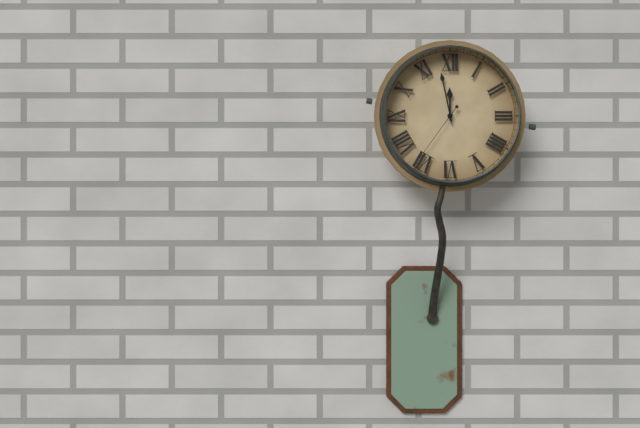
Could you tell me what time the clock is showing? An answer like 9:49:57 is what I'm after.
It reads 11:58:36
